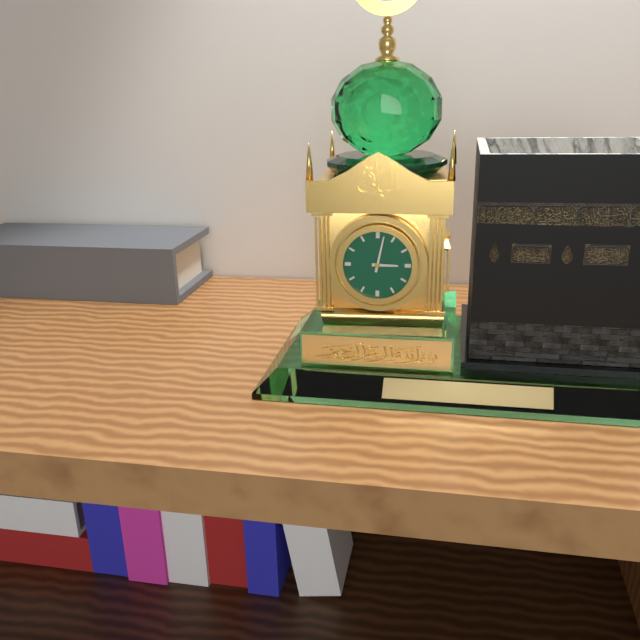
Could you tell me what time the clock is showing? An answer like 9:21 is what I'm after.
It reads 3:02
